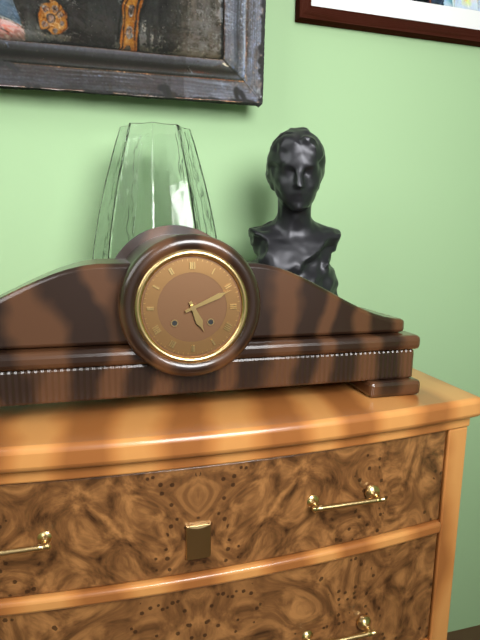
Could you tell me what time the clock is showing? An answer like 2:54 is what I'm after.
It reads 5:11
